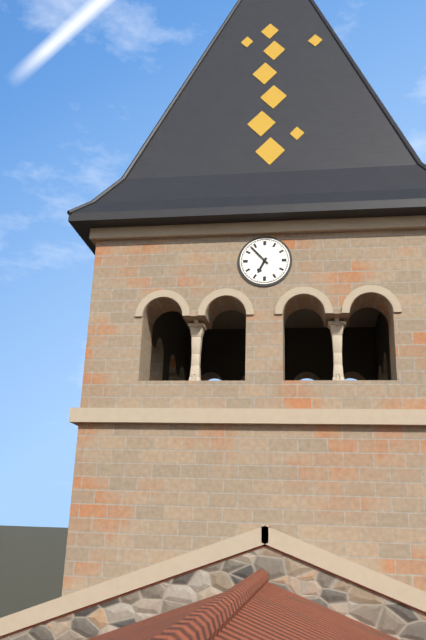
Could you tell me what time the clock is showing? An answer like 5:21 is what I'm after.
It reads 6:53
